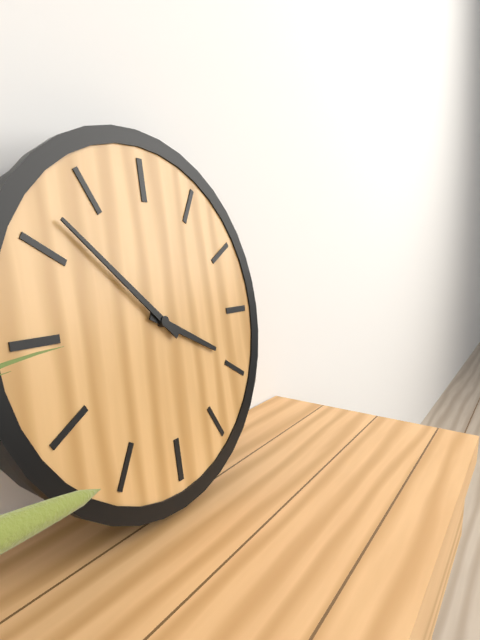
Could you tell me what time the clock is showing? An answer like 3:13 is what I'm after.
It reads 3:52
